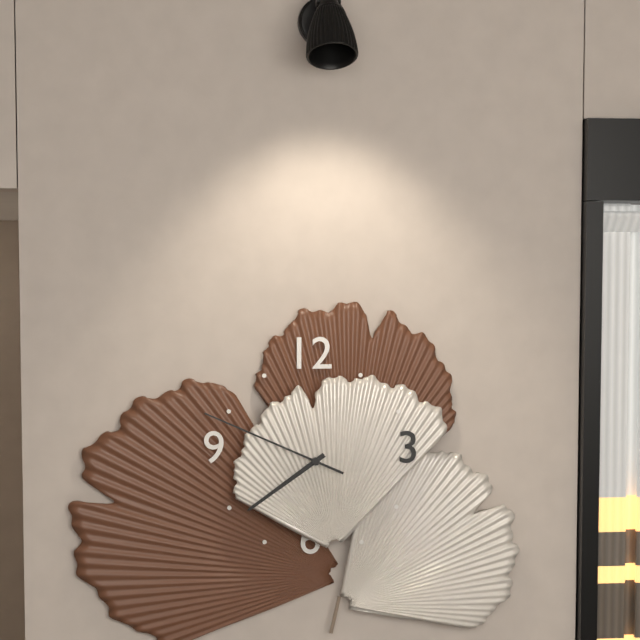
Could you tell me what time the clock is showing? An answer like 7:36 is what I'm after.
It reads 7:49
